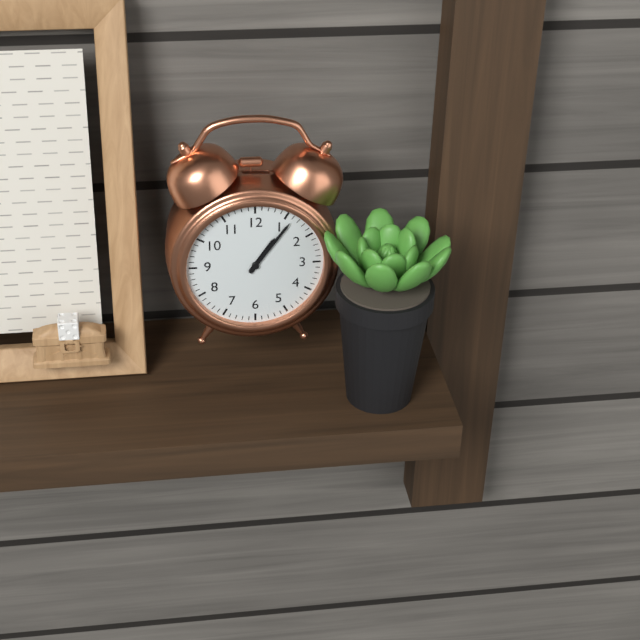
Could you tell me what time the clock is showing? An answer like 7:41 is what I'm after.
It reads 1:06
